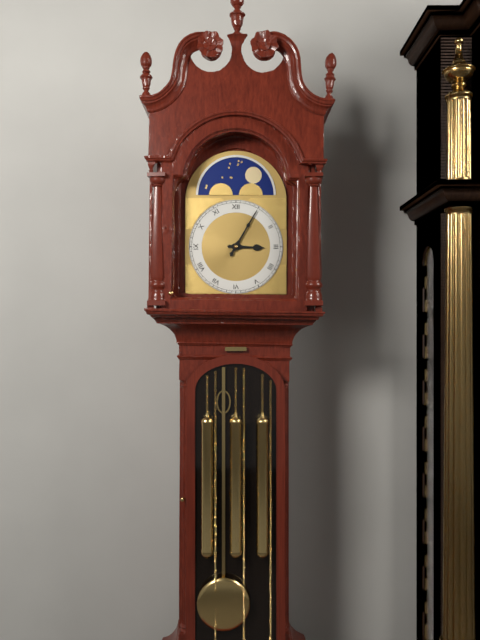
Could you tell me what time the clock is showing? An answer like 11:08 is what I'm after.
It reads 3:05
